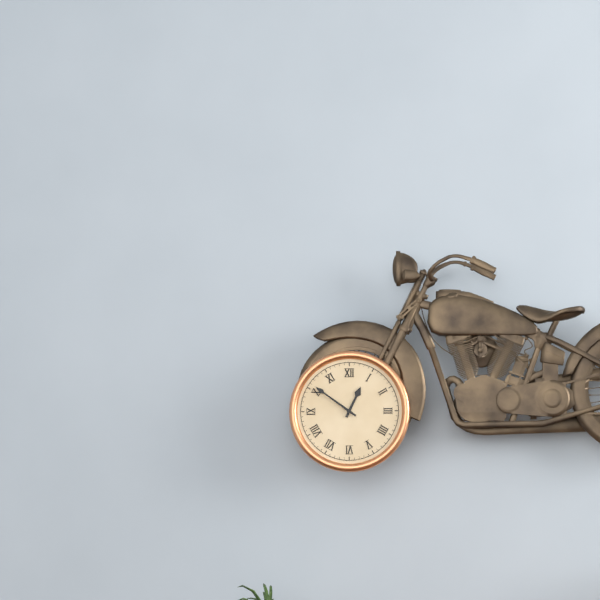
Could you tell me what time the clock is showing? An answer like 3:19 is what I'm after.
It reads 12:51
